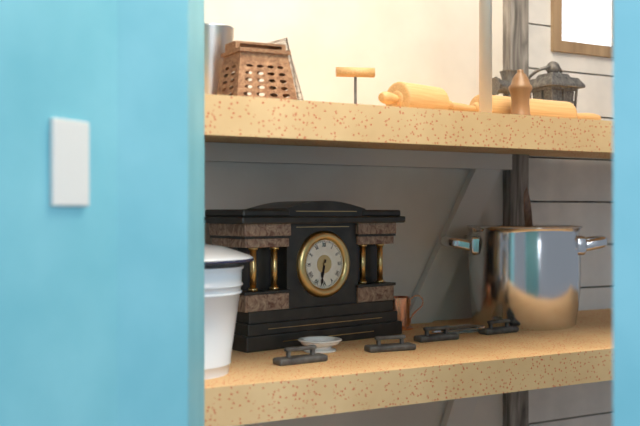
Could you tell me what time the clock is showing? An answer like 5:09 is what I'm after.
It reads 6:32
